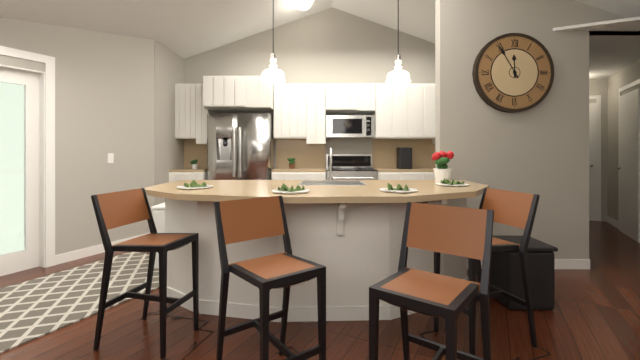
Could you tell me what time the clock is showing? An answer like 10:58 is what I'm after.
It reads 11:55
